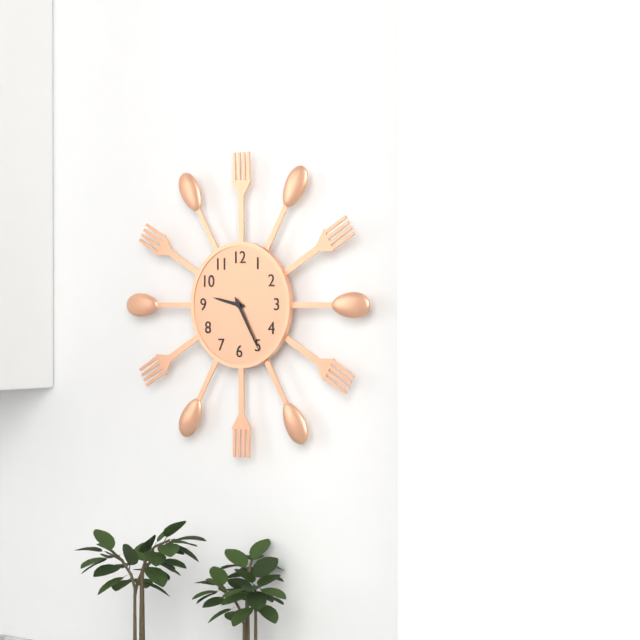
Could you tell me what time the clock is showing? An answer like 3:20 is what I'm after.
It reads 9:25
